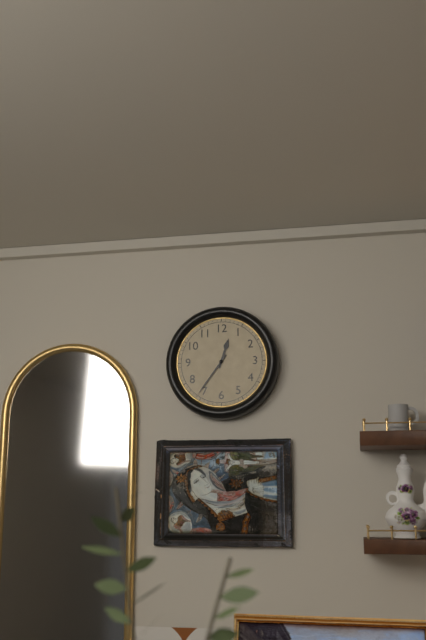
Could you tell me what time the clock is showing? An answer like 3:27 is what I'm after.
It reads 12:36
